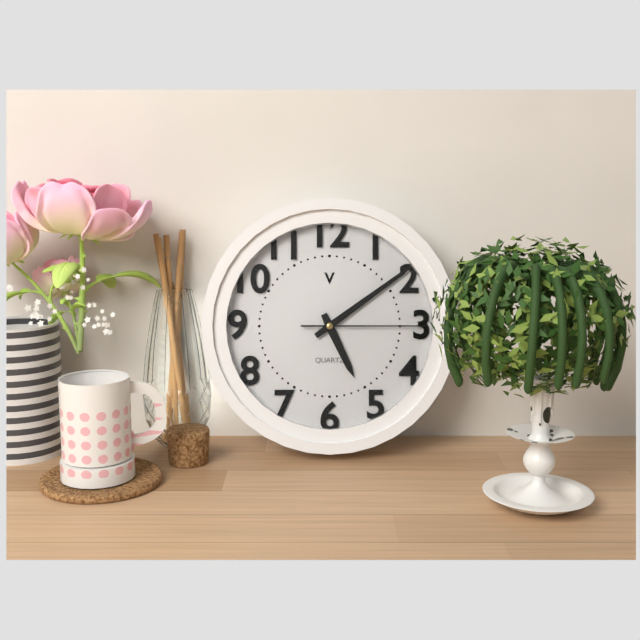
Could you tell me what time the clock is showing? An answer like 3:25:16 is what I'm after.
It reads 5:09:15
